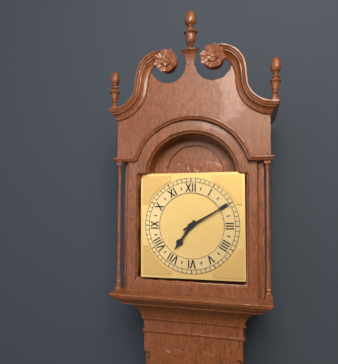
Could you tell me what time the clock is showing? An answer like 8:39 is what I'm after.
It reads 7:10
